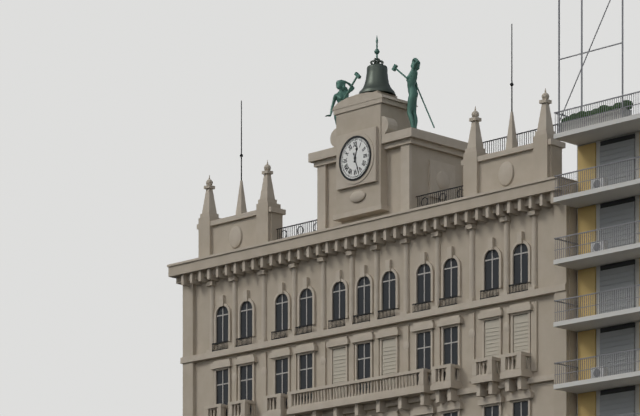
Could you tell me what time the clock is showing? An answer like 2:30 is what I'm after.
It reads 12:27
